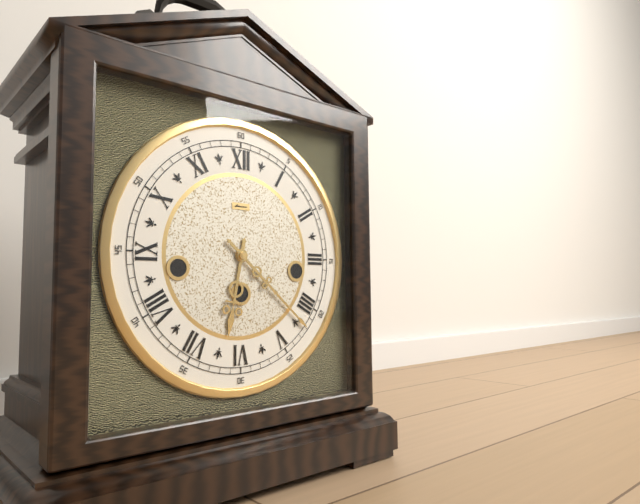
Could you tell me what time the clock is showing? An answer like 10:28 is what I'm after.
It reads 6:22
